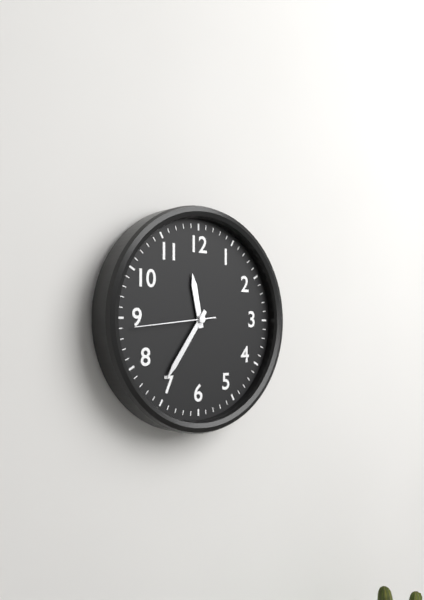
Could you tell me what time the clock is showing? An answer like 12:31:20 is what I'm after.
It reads 11:36:44
